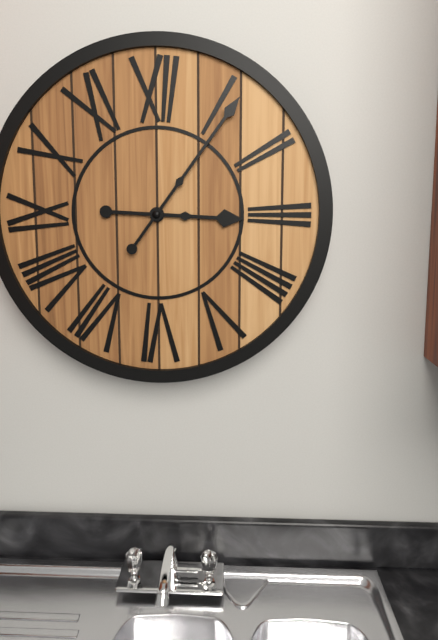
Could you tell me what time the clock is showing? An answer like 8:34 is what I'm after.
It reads 3:06
